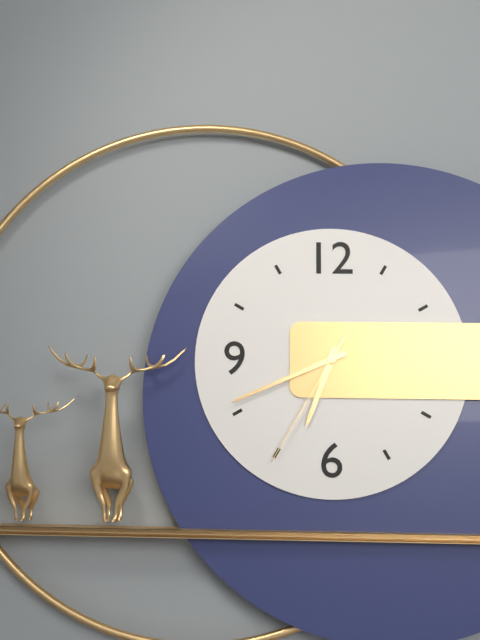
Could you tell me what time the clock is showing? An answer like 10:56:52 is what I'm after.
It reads 6:41:35
